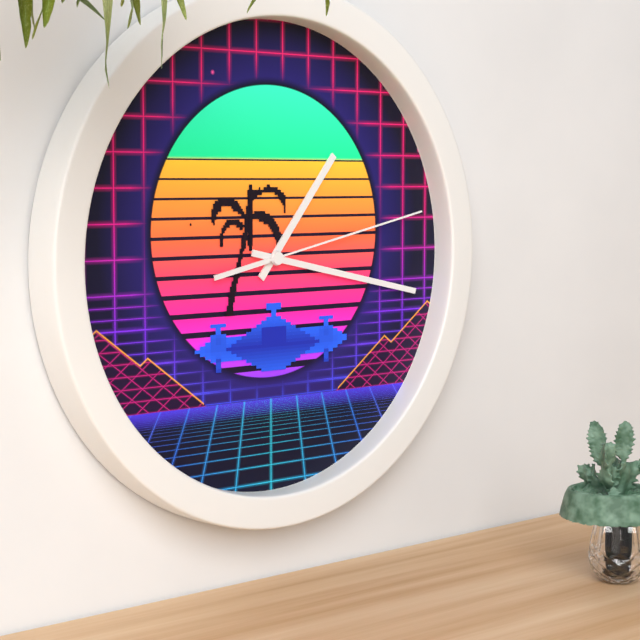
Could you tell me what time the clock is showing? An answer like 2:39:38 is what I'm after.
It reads 1:17:13
